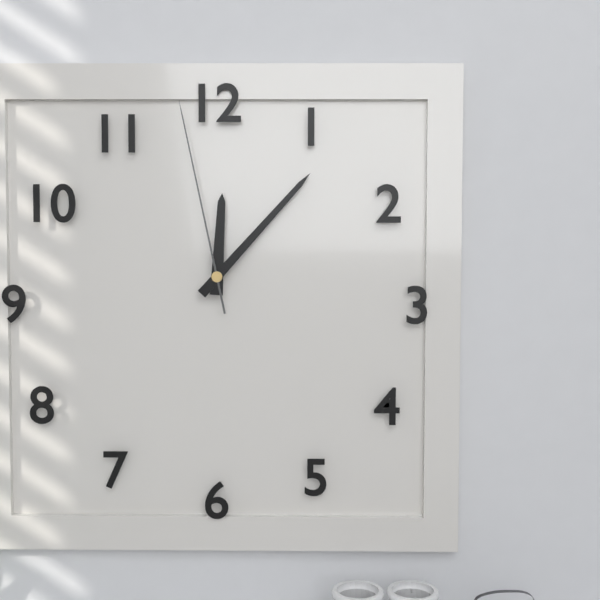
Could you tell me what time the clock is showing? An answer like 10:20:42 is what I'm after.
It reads 12:07:58
